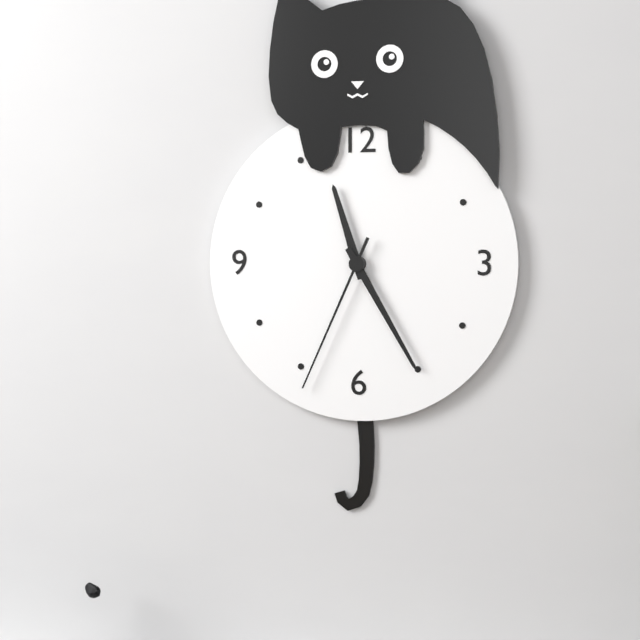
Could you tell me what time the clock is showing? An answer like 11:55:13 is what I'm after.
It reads 11:25:34
